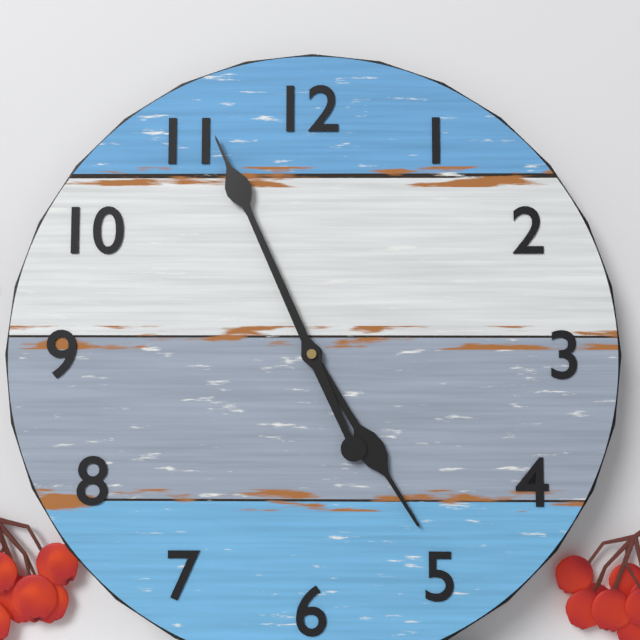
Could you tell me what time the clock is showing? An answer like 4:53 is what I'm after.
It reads 4:56
